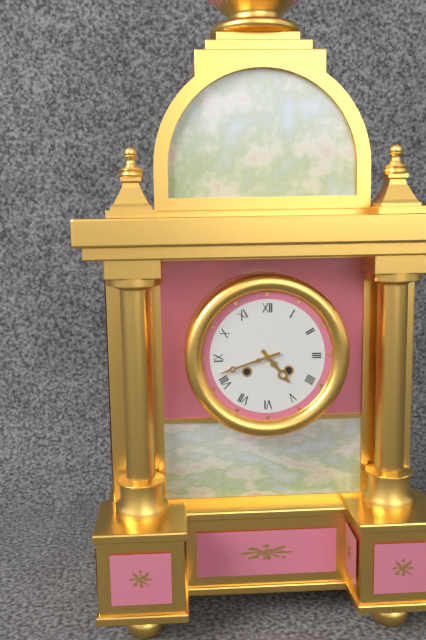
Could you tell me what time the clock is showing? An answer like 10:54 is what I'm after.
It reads 4:42
